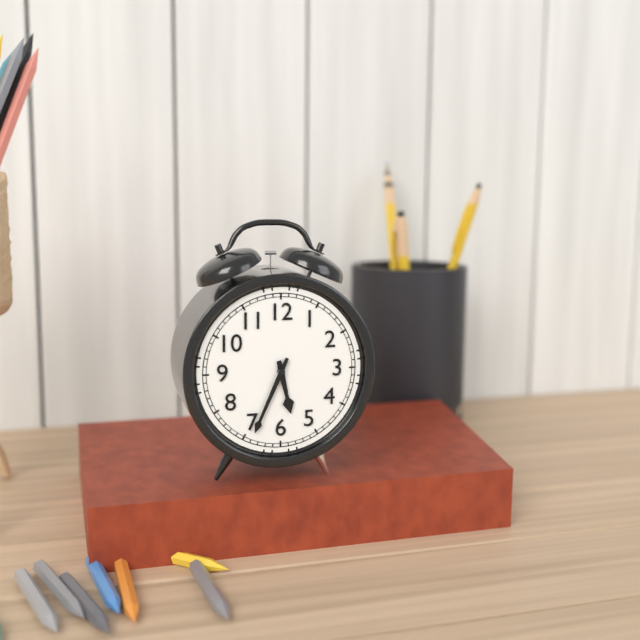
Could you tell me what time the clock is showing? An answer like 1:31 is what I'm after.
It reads 5:34
